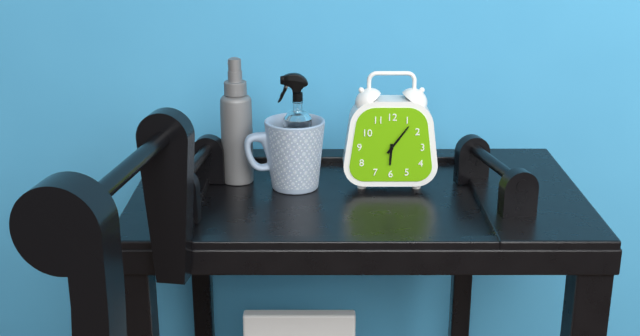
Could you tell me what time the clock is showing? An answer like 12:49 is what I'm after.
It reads 6:06
